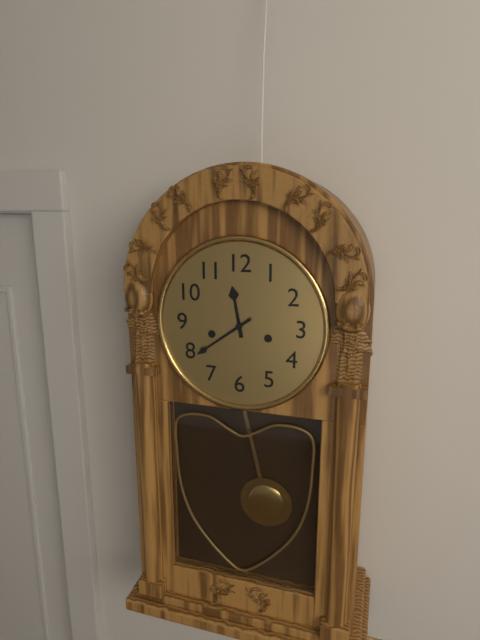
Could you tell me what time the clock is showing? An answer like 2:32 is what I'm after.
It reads 11:39
